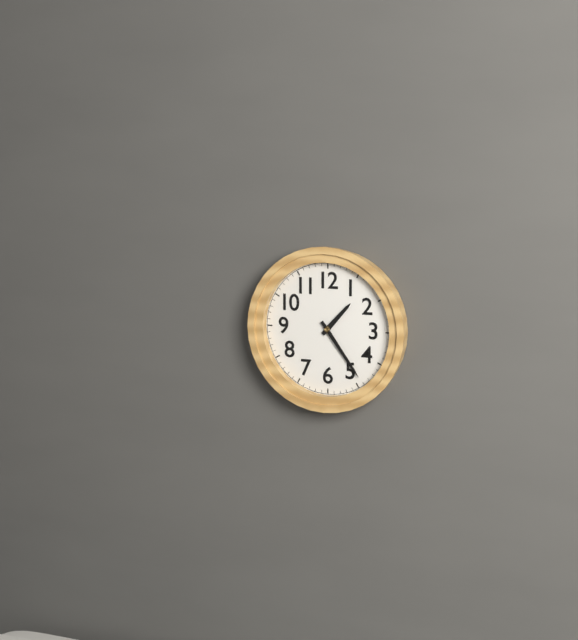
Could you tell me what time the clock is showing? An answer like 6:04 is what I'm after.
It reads 1:24
